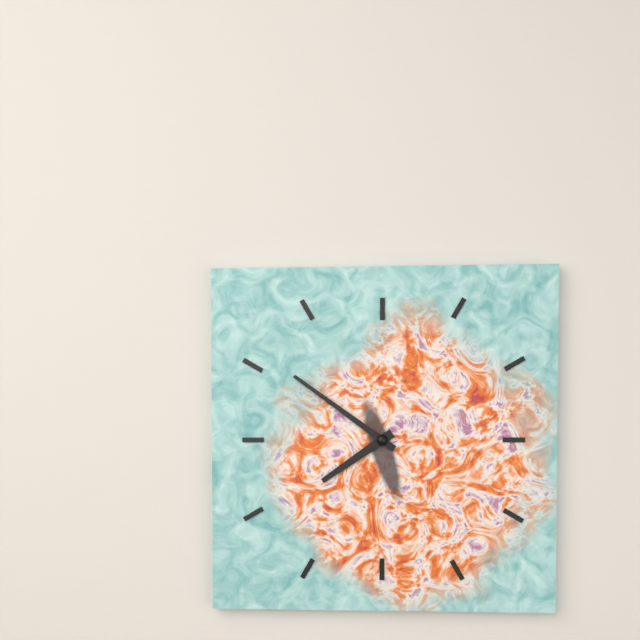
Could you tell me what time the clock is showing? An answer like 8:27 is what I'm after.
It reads 7:51
